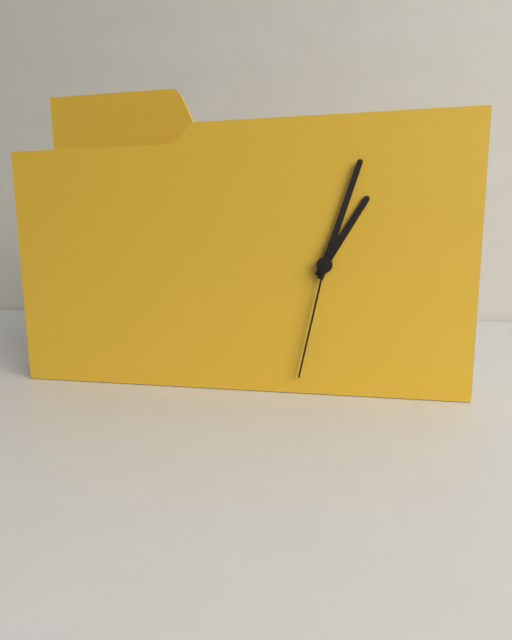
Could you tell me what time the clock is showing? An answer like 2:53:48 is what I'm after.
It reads 1:03:32
